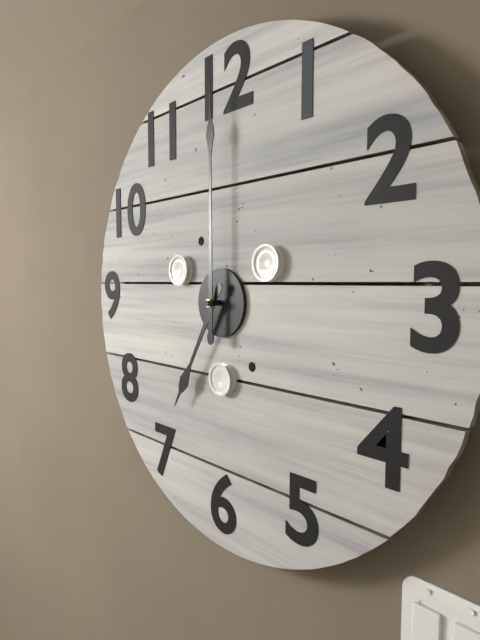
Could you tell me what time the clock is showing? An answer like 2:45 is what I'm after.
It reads 7:00
